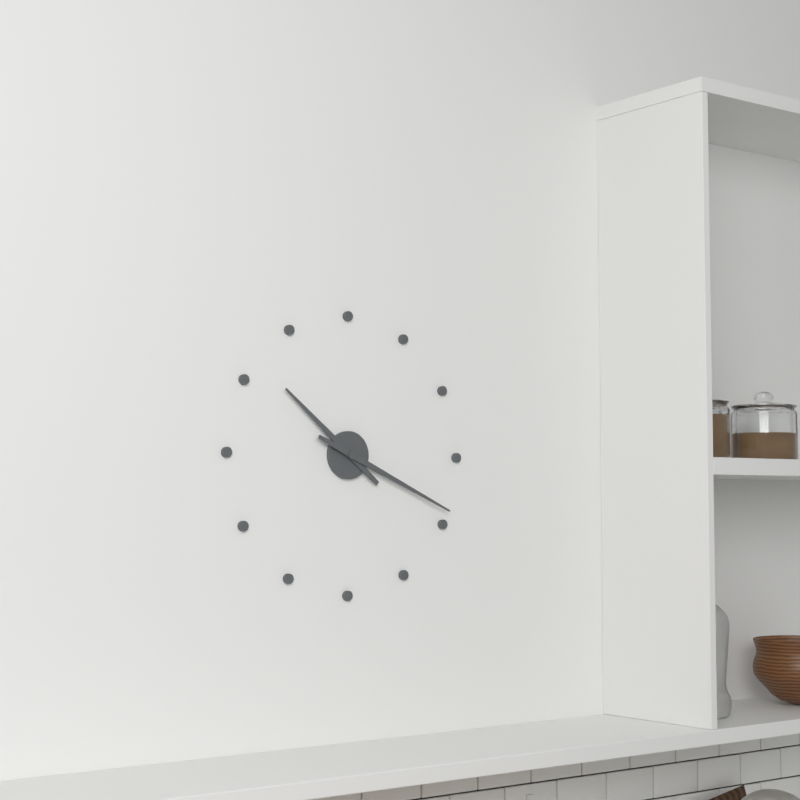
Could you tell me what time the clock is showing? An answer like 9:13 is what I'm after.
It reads 10:19
